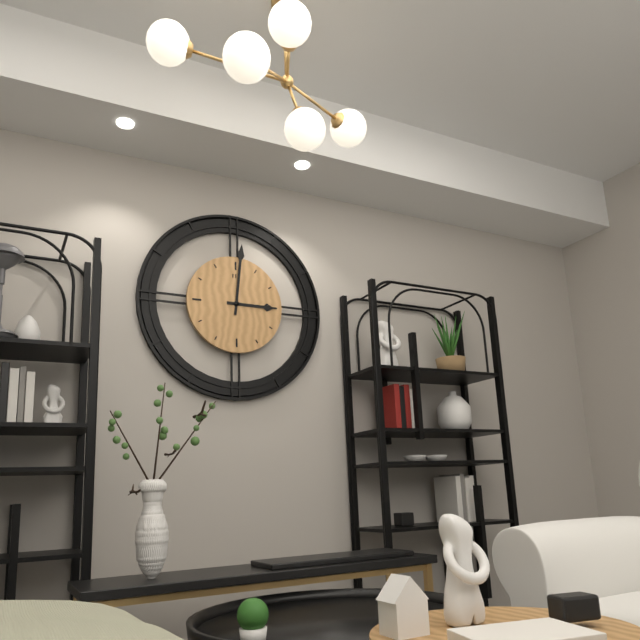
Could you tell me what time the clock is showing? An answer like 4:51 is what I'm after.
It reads 3:01
